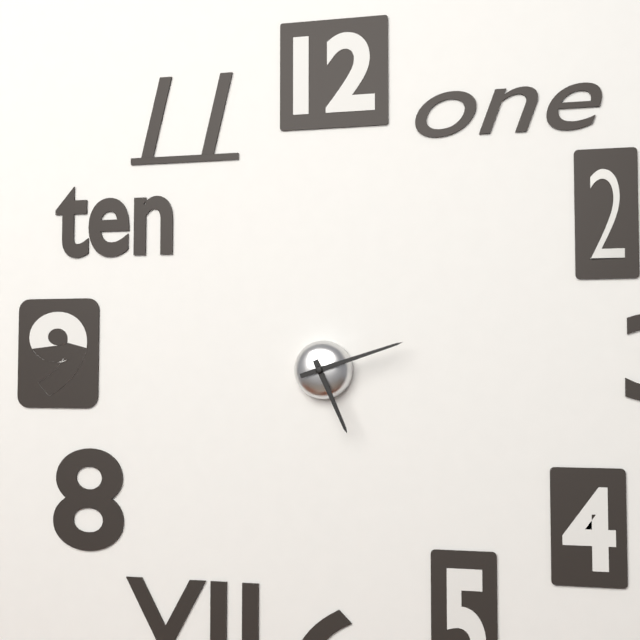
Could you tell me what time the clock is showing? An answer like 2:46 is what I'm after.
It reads 5:12
